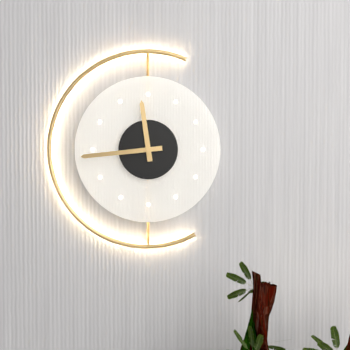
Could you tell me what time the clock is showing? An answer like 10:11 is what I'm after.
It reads 11:44
